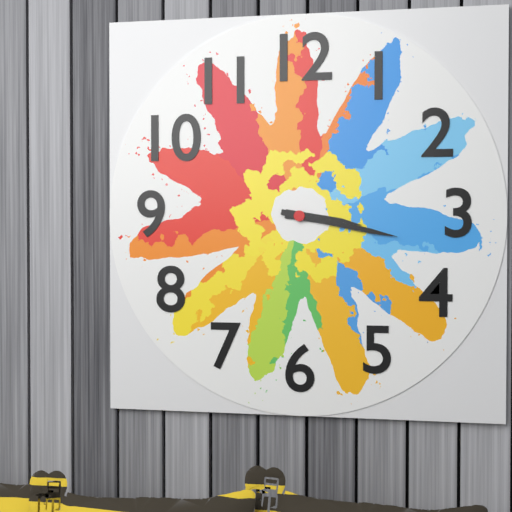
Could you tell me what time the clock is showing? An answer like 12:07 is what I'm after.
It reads 3:17
